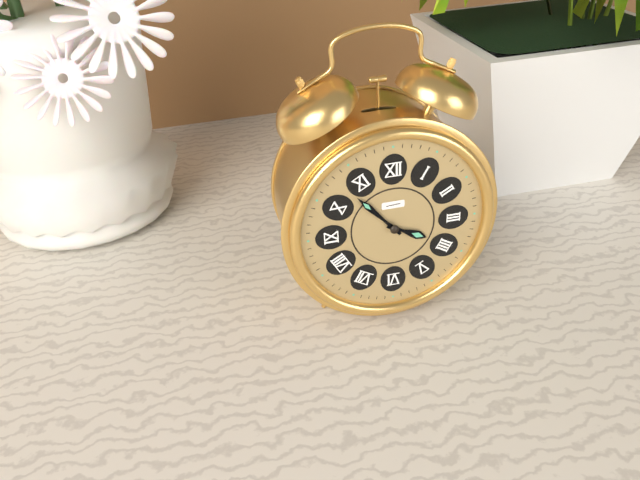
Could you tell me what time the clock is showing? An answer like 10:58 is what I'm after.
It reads 3:53
